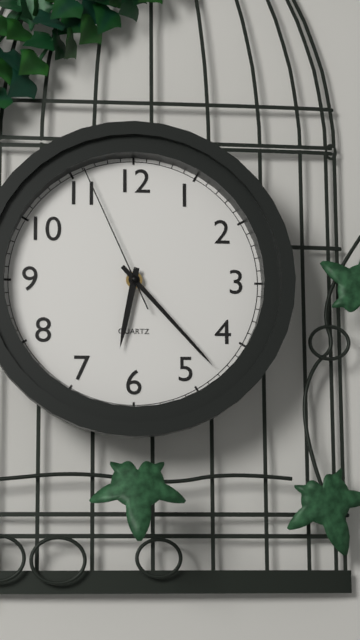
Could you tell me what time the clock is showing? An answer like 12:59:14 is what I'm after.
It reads 6:23:56
